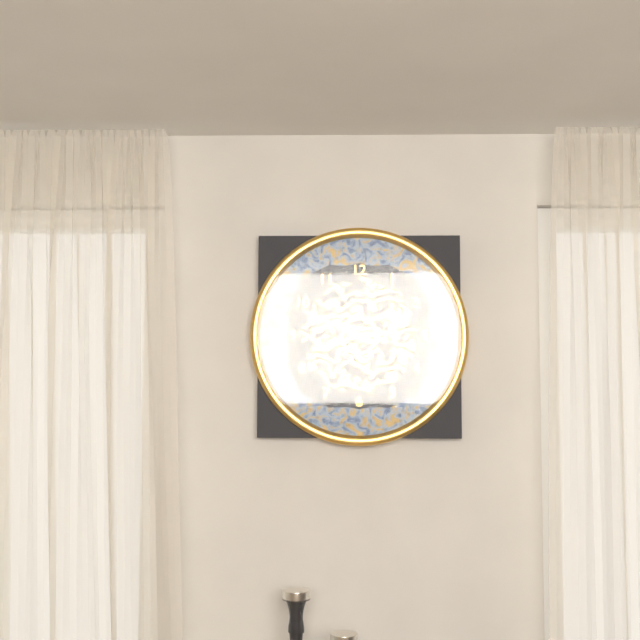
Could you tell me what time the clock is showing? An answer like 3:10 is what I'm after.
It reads 2:49
